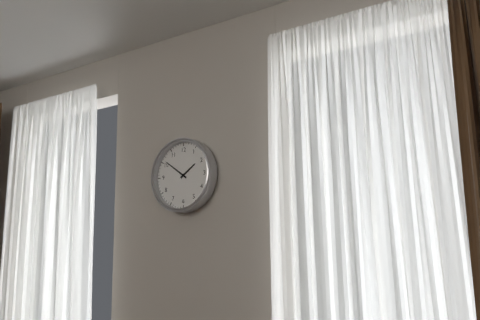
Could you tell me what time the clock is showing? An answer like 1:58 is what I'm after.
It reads 1:51
